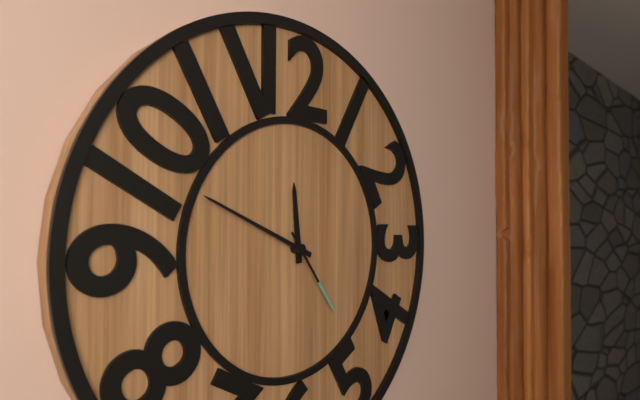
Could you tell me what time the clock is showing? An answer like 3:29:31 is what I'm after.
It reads 11:49:24
